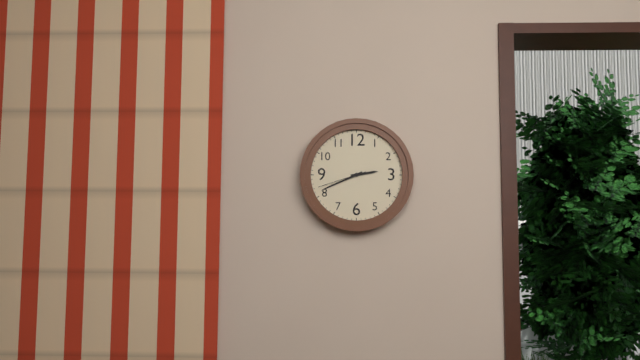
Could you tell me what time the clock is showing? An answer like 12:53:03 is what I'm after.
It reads 2:41:42
